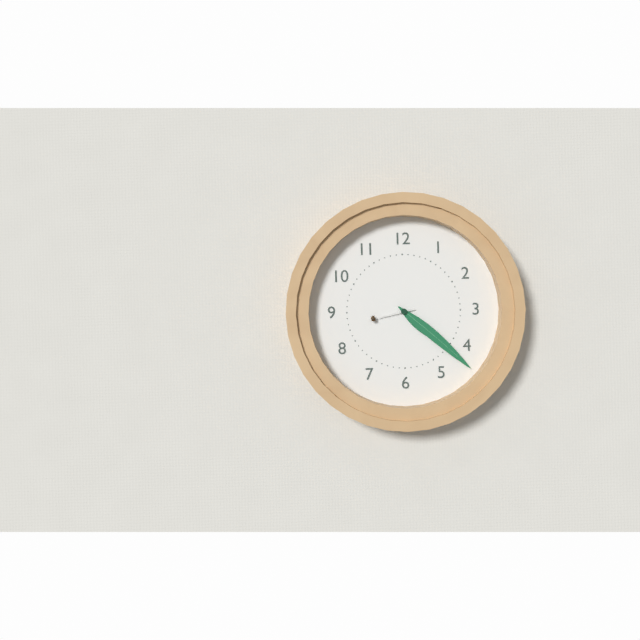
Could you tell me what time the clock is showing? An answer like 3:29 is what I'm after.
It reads 4:22
